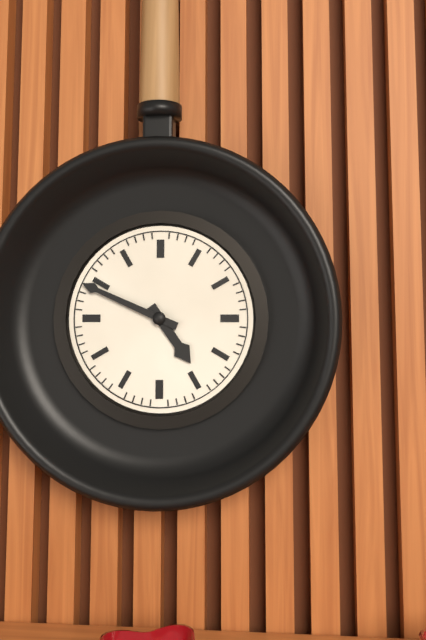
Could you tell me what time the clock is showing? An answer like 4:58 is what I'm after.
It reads 4:49
